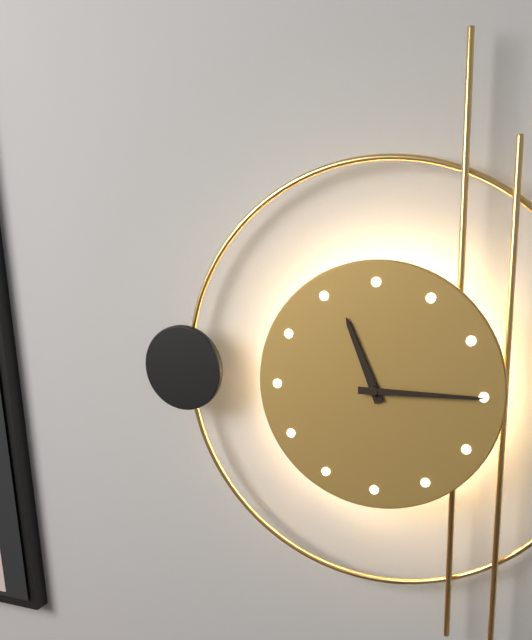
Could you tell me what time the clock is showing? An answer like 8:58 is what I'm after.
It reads 11:15
